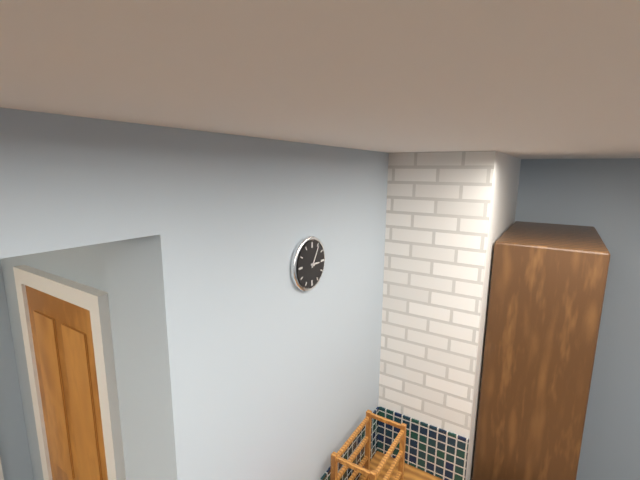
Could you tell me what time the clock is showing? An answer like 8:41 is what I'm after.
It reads 3:05
